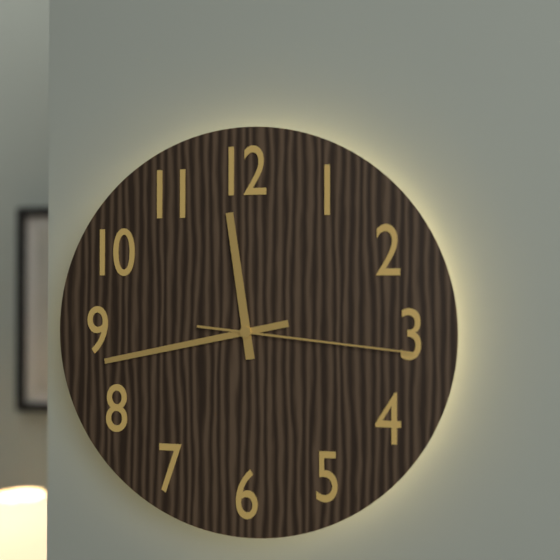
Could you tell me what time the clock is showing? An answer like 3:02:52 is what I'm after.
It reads 11:43:16
